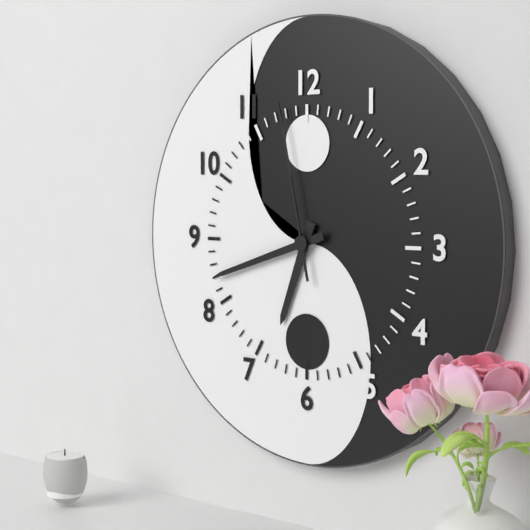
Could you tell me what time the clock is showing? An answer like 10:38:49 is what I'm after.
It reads 6:42:58
